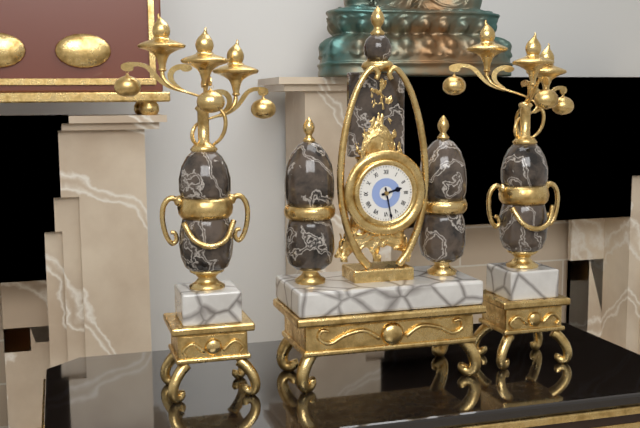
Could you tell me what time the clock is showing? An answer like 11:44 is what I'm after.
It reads 2:28
